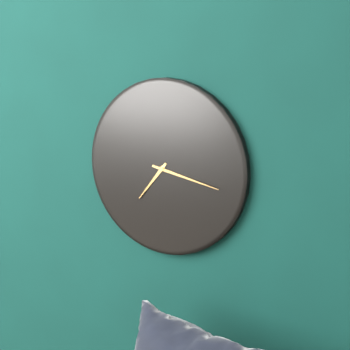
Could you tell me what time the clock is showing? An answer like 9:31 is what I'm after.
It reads 7:17
